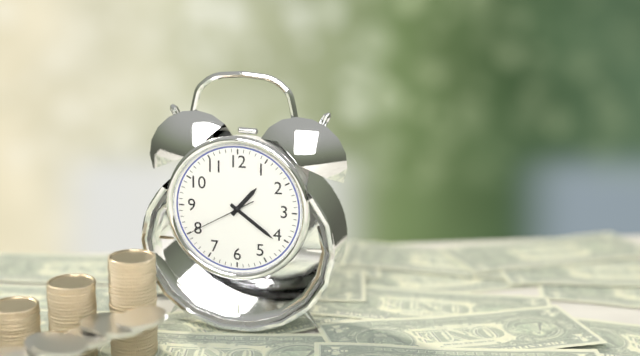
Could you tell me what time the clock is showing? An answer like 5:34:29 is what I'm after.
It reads 1:21:40
